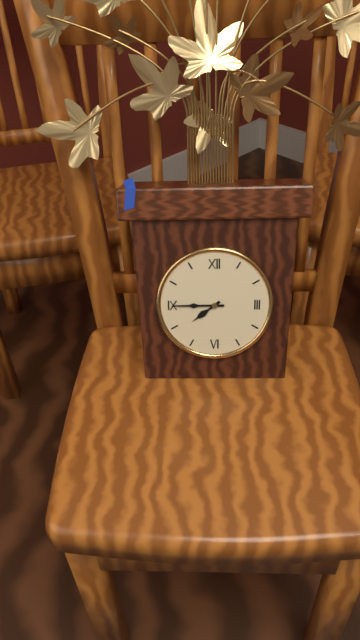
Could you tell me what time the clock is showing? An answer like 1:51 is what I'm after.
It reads 7:45
